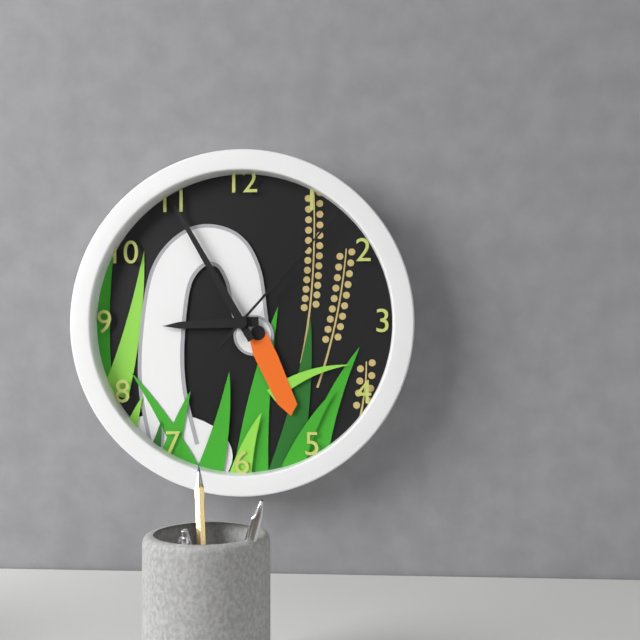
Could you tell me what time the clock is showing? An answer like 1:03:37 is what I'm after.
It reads 8:55:07
